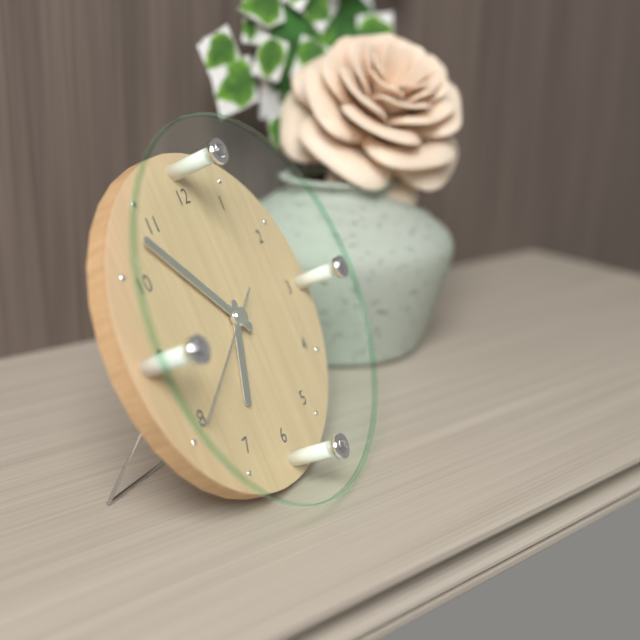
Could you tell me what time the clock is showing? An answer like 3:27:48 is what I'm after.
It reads 6:53:40
